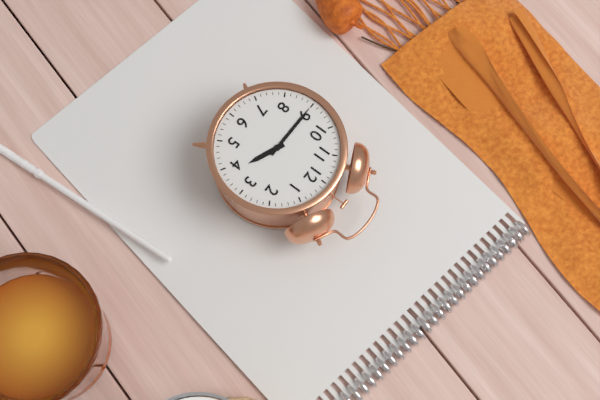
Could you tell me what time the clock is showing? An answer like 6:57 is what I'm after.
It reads 3:45
